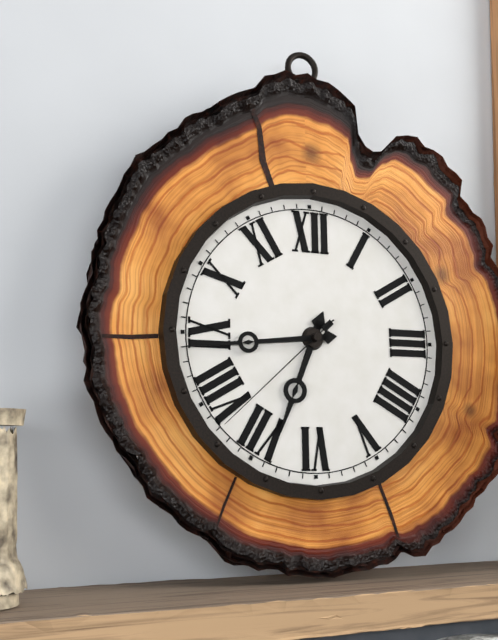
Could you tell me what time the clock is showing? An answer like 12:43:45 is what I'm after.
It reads 6:44:38
